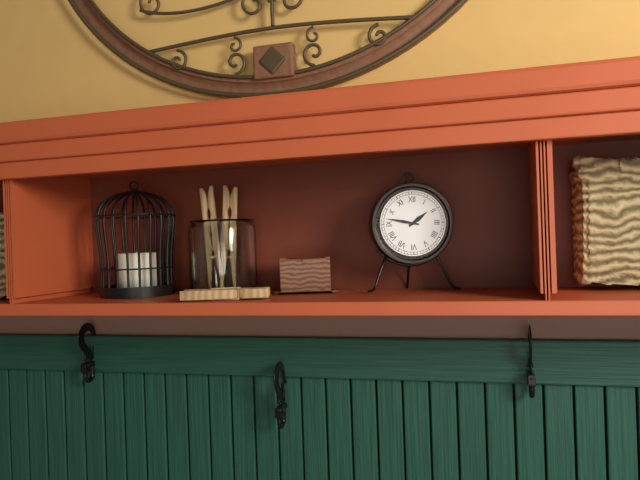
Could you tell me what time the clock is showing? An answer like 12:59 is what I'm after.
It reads 1:47
